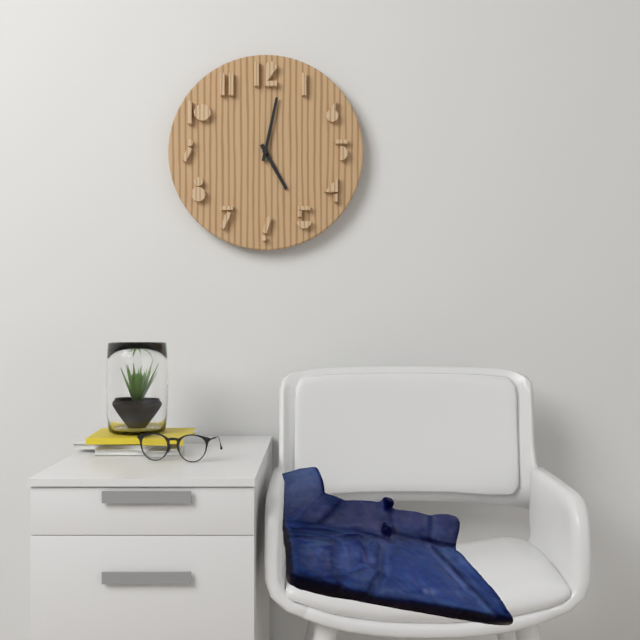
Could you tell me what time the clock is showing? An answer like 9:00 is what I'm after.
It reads 5:02
